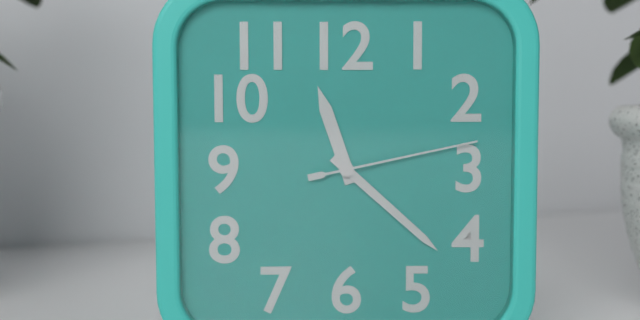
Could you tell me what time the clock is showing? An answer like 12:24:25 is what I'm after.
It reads 11:22:13
